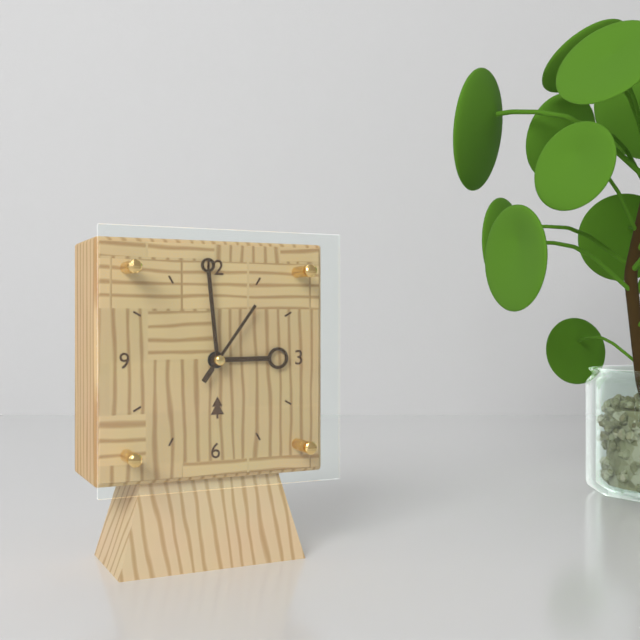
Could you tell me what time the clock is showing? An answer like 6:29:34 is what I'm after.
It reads 2:59:06
